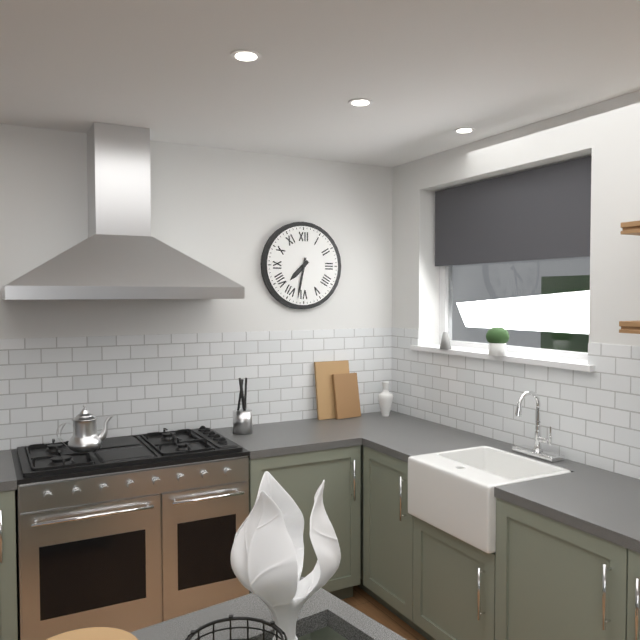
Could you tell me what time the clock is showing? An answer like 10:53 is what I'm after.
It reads 7:32
